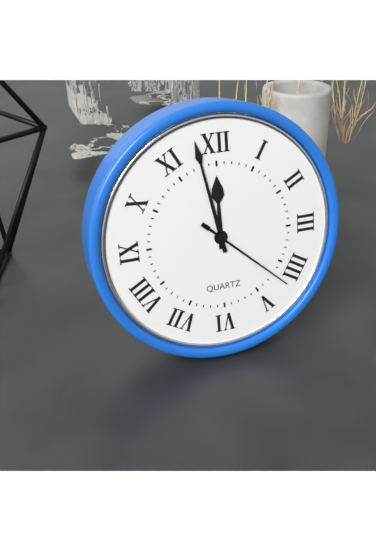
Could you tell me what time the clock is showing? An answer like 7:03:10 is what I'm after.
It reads 11:58:22
